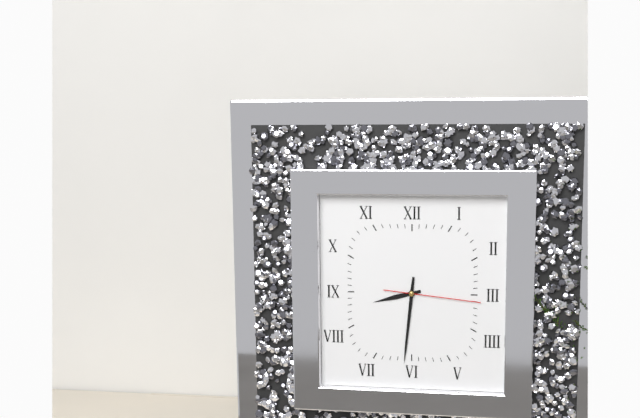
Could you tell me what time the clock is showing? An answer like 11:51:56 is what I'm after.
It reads 8:31:16
